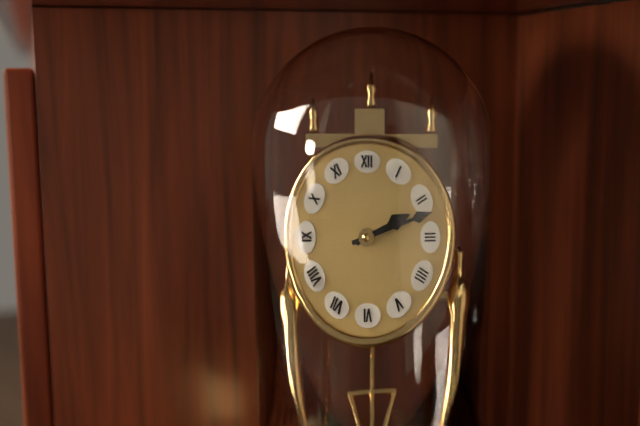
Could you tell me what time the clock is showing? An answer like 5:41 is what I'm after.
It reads 2:12
